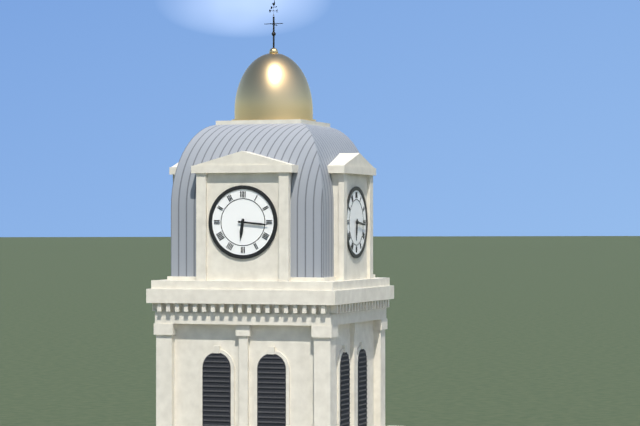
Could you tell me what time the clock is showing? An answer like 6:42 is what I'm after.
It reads 6:16
